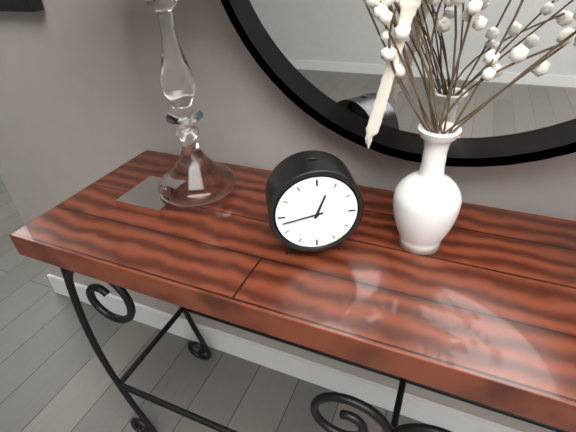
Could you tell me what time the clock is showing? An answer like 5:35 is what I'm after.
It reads 12:43
